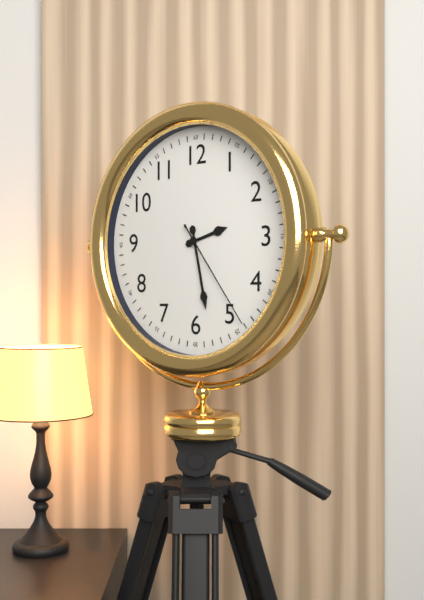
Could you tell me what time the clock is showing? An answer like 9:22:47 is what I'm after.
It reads 2:28:24
